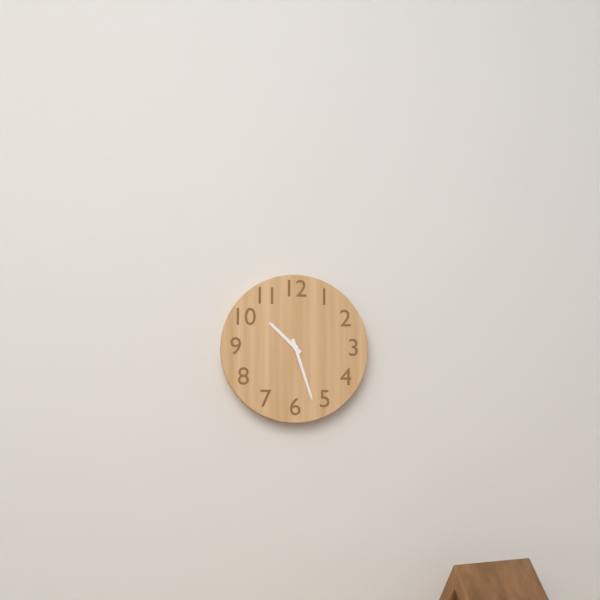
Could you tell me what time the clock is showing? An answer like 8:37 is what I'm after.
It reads 10:27
